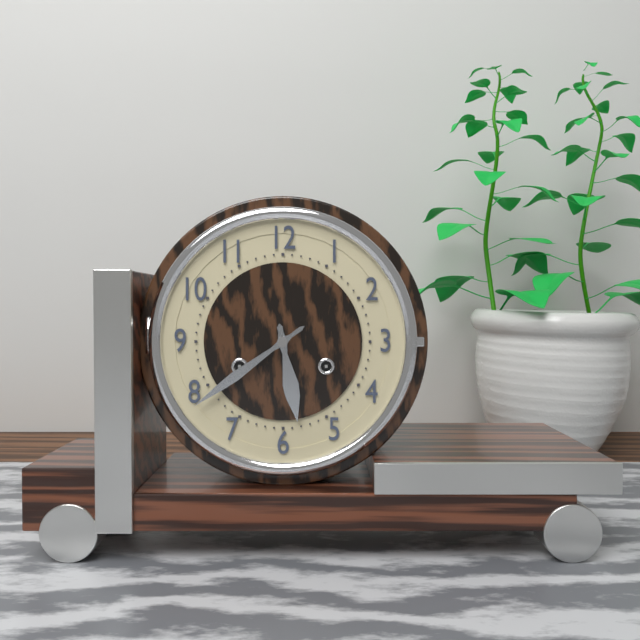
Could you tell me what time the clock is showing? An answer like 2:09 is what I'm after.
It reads 5:39
